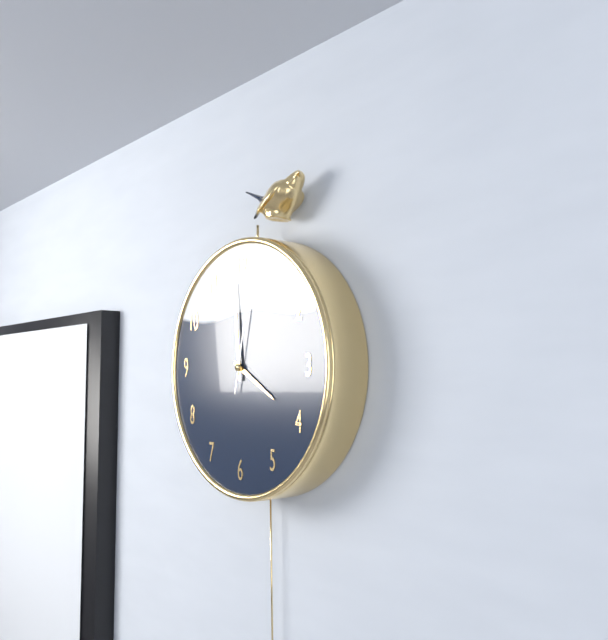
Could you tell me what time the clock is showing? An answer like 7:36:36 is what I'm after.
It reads 3:59:02
